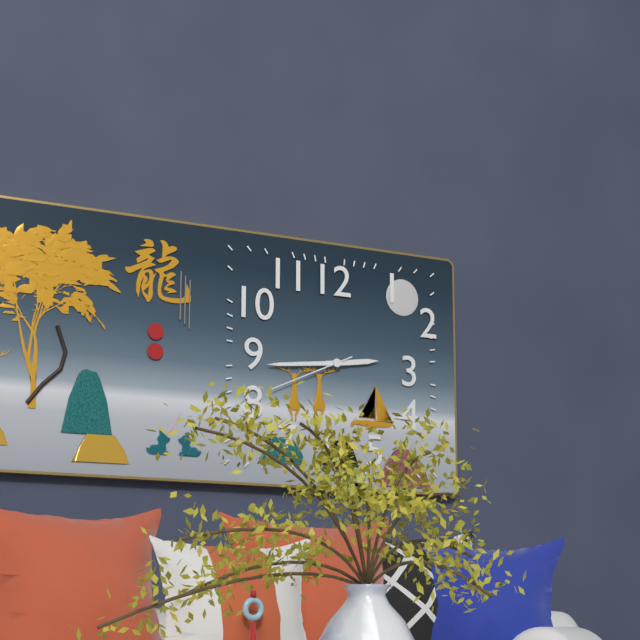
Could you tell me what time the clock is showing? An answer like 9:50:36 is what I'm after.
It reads 2:44:41
